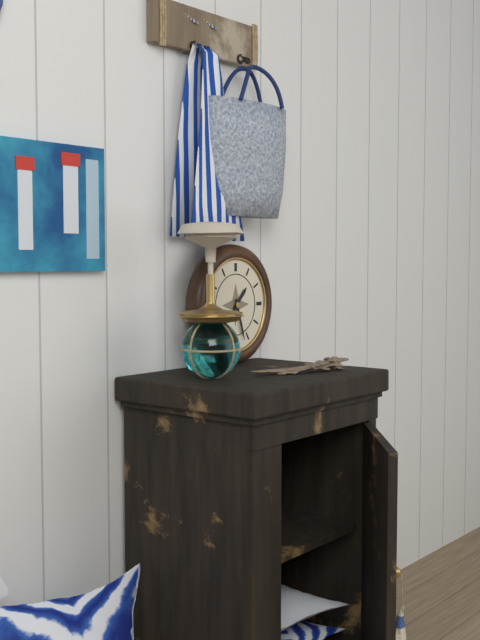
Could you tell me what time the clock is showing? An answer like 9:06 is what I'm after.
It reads 1:27
